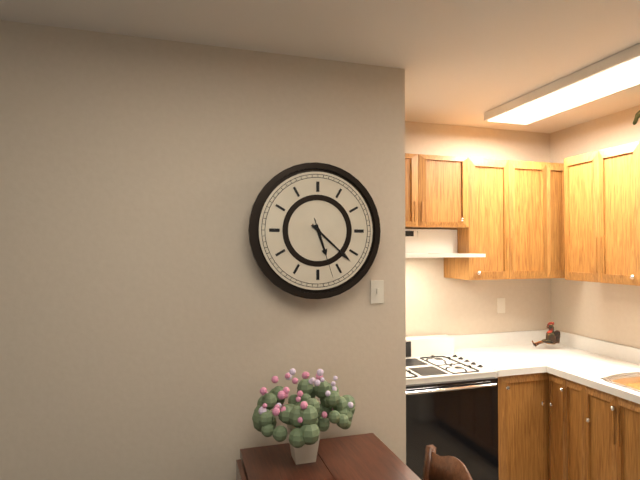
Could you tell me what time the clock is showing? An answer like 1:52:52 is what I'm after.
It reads 5:22:27
